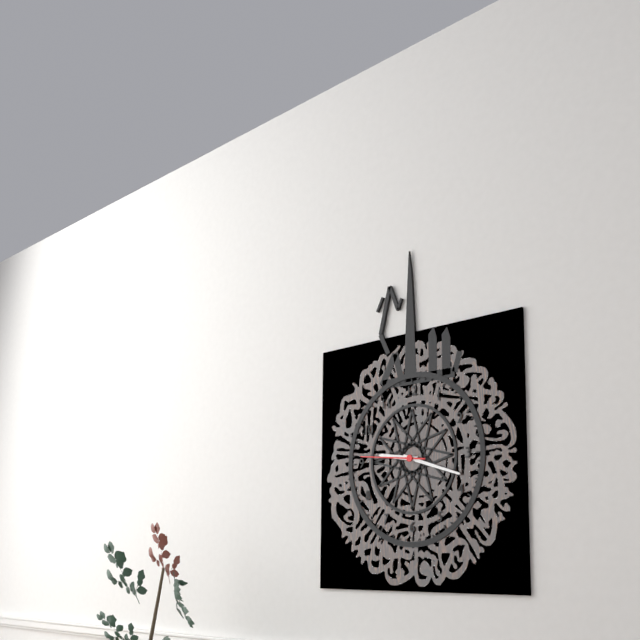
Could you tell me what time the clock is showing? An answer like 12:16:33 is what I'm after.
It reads 9:18:46
